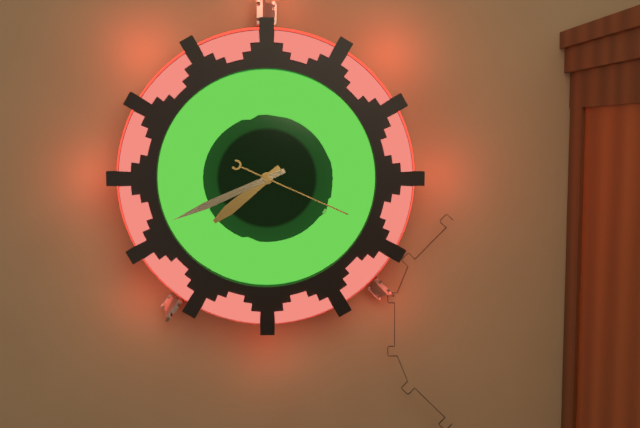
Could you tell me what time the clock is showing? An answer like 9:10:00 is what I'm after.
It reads 7:41:19
